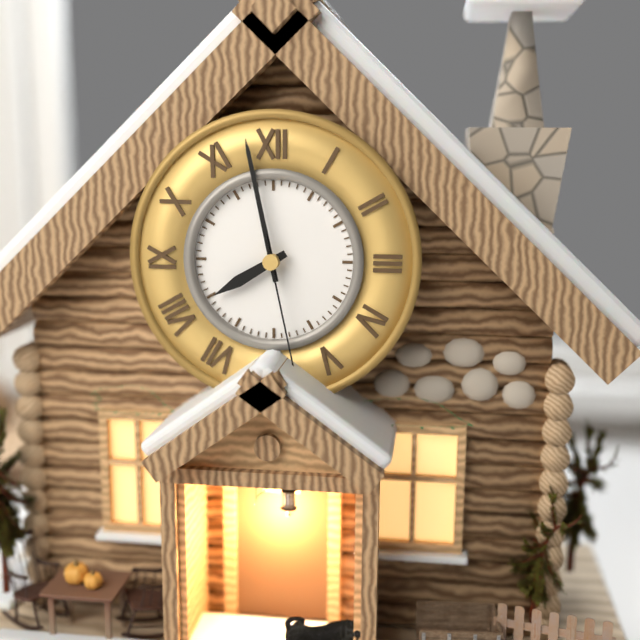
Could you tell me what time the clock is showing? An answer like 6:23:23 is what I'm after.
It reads 7:58:28
